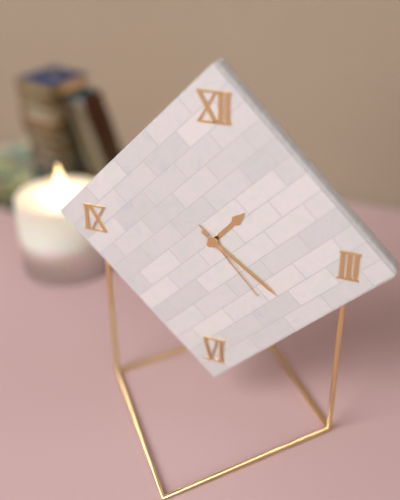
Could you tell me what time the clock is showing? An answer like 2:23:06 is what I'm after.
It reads 1:21:23
